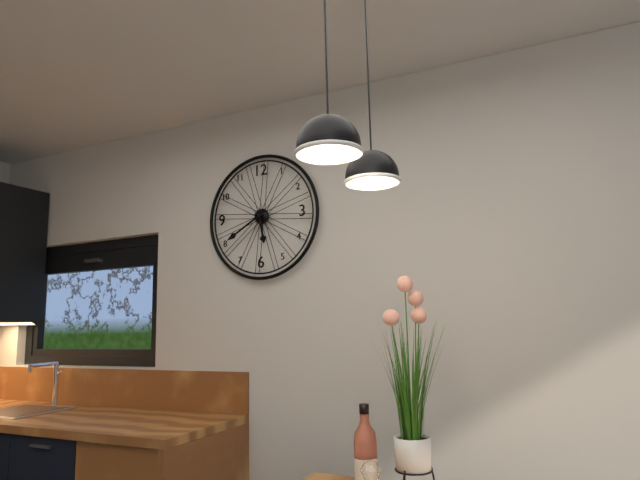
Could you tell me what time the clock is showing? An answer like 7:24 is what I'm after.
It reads 5:40
